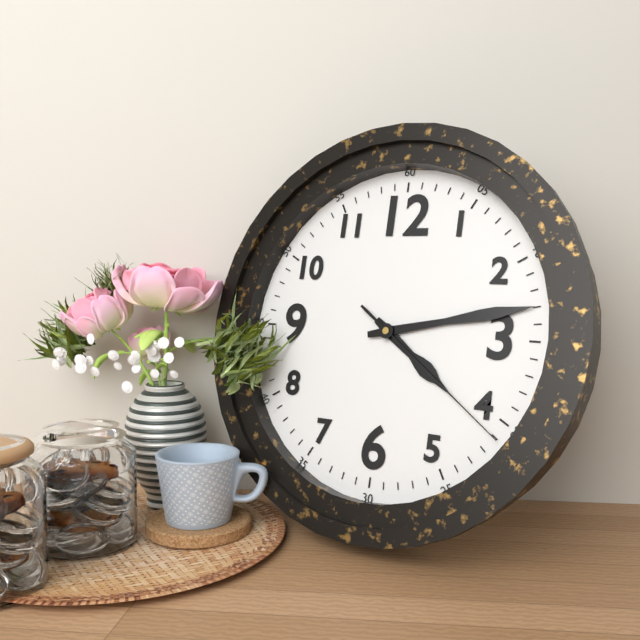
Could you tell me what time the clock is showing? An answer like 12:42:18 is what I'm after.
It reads 4:13:21
